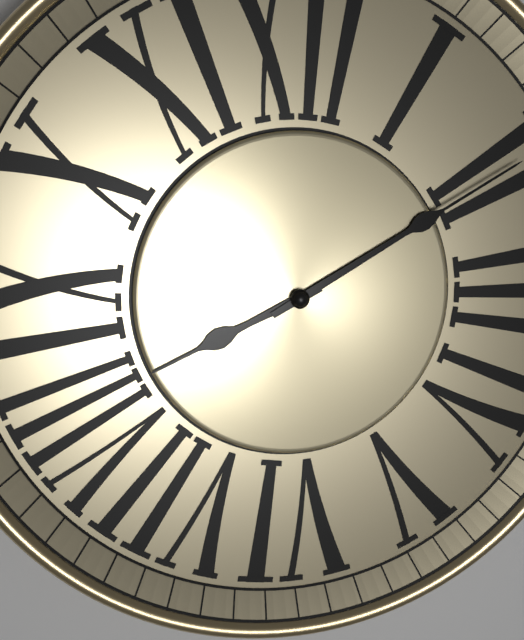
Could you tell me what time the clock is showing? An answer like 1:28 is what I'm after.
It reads 8:10
